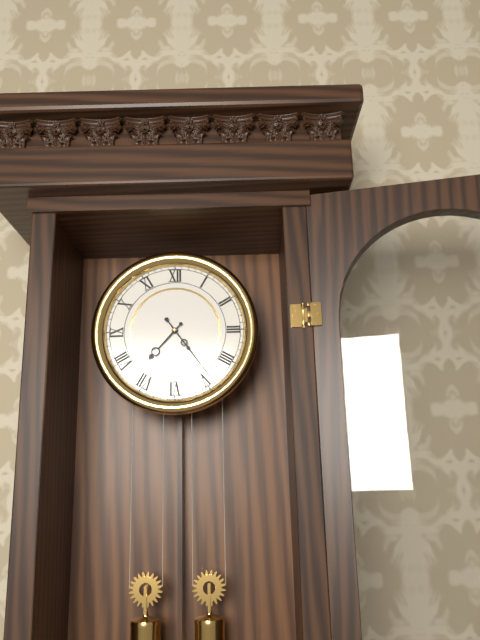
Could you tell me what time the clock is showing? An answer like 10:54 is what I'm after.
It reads 7:24
